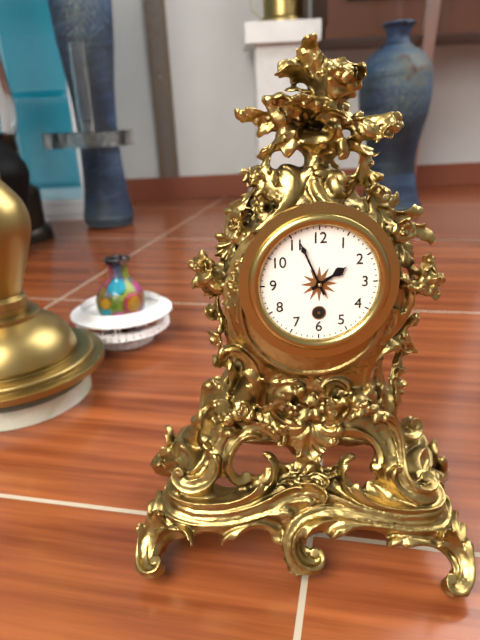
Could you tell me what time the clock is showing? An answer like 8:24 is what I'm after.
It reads 1:56
